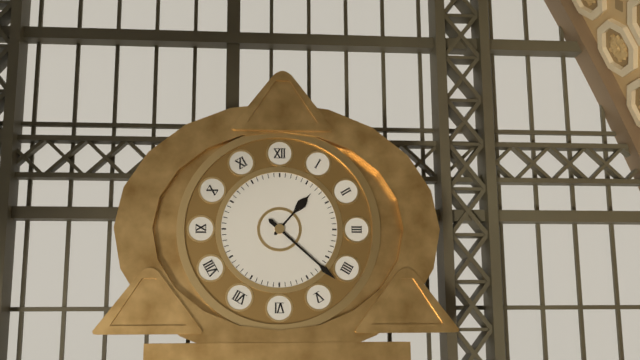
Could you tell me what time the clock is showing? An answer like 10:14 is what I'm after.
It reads 1:22
